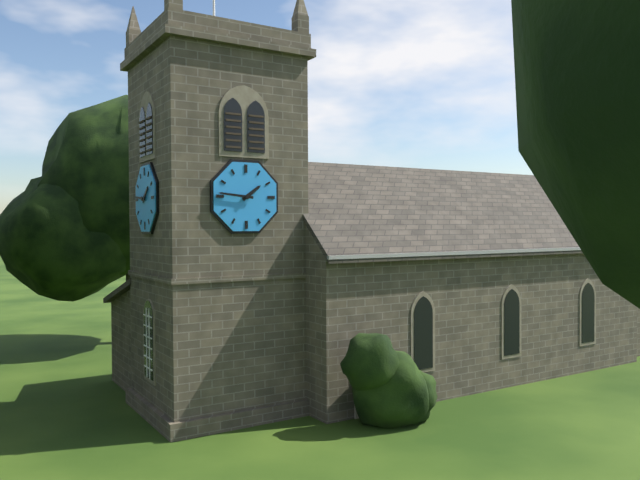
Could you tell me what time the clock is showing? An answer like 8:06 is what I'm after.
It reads 1:46
